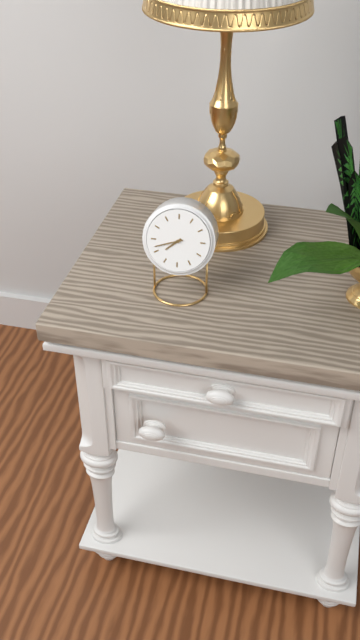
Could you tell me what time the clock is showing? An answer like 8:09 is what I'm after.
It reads 7:42
